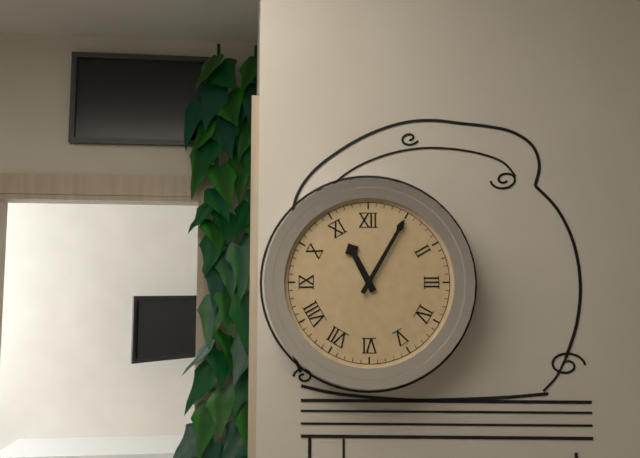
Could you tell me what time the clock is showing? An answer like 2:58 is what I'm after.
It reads 11:05
